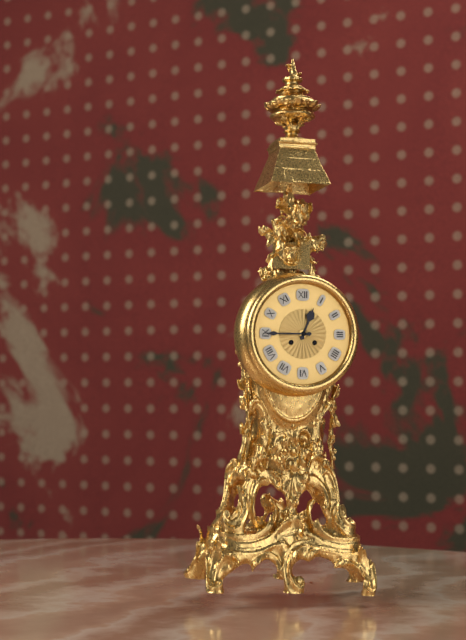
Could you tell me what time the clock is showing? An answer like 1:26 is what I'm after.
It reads 12:45
